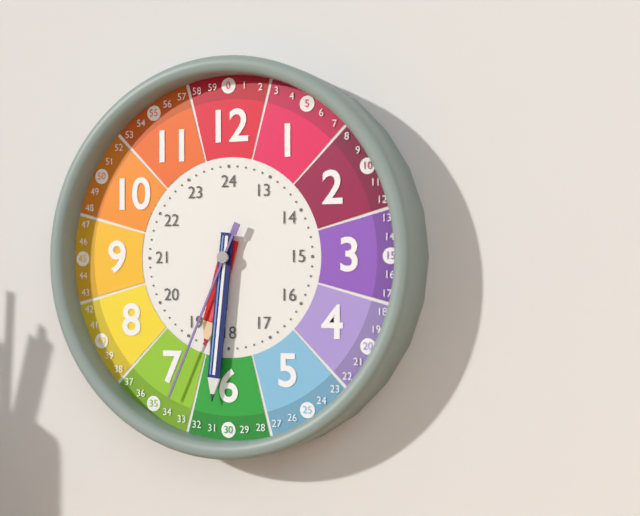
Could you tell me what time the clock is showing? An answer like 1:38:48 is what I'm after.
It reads 6:31:34
